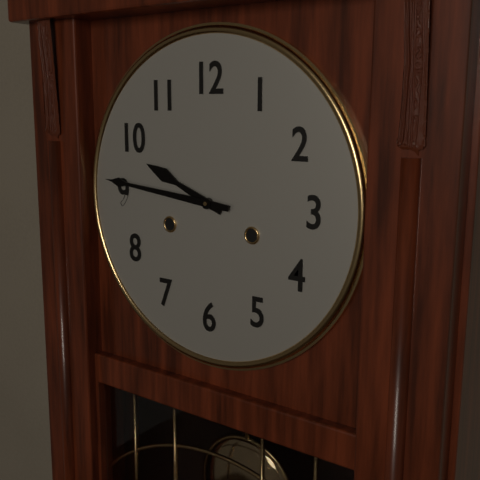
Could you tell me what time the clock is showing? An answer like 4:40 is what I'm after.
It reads 9:46
